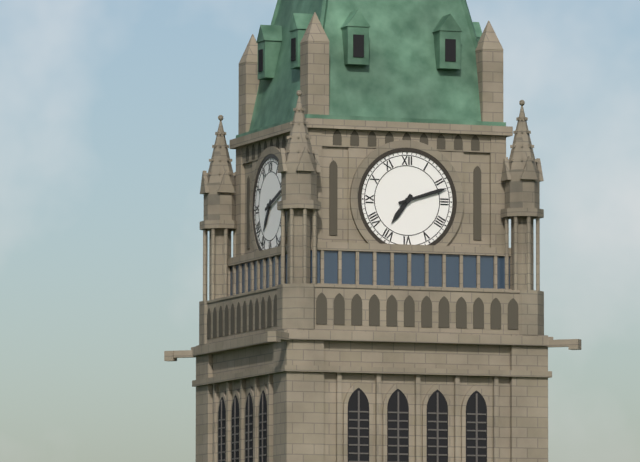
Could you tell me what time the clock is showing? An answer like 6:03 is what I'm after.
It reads 7:12
